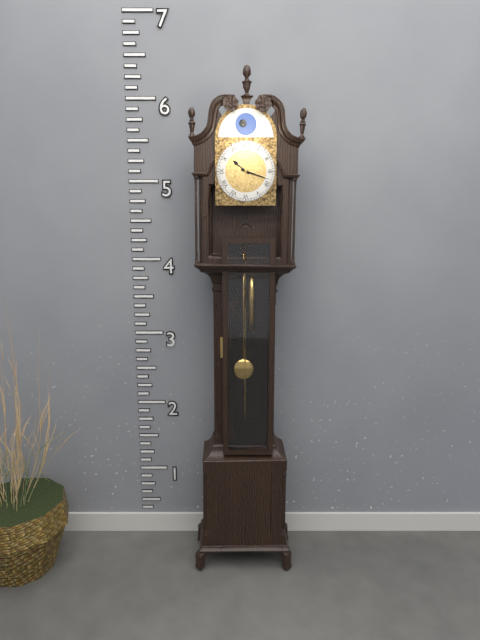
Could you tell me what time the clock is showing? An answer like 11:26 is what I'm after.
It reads 10:18
